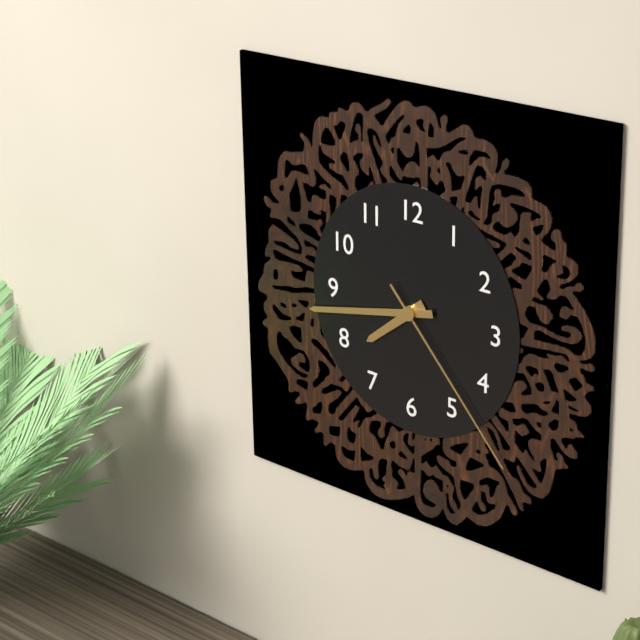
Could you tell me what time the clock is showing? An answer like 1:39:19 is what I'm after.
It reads 7:43:23
